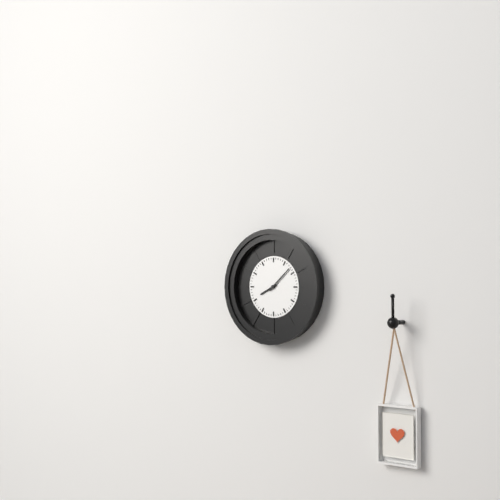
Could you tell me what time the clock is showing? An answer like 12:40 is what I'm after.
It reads 8:08
